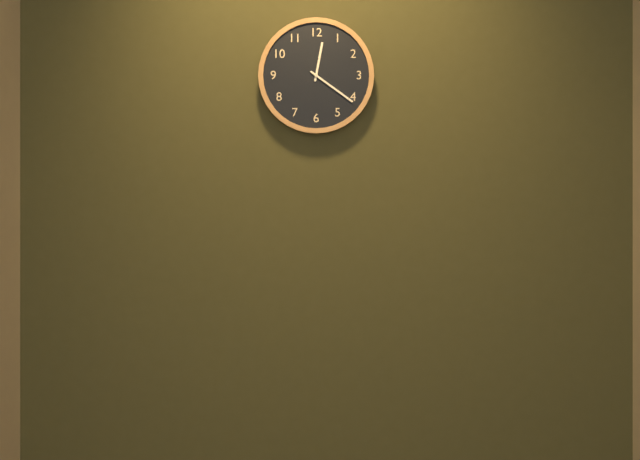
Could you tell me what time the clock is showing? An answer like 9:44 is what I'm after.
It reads 12:21
